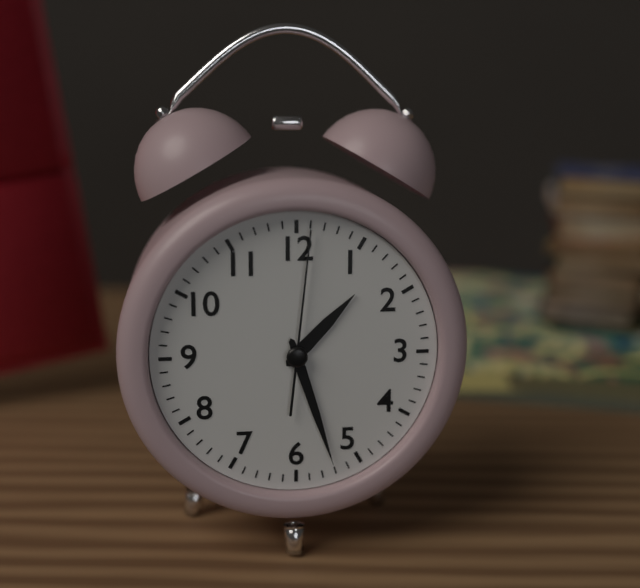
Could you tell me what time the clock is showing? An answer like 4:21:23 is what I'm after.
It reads 1:27:01
